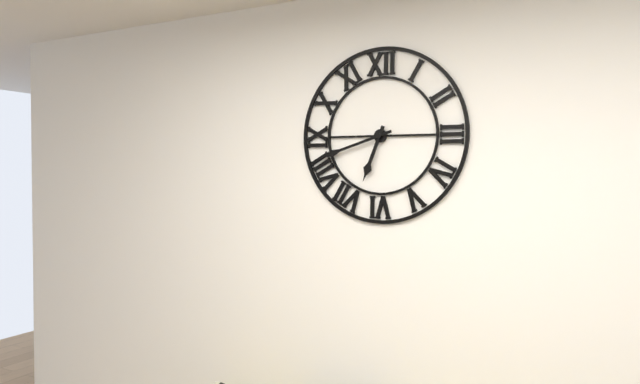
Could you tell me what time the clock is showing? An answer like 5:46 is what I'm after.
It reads 6:42
